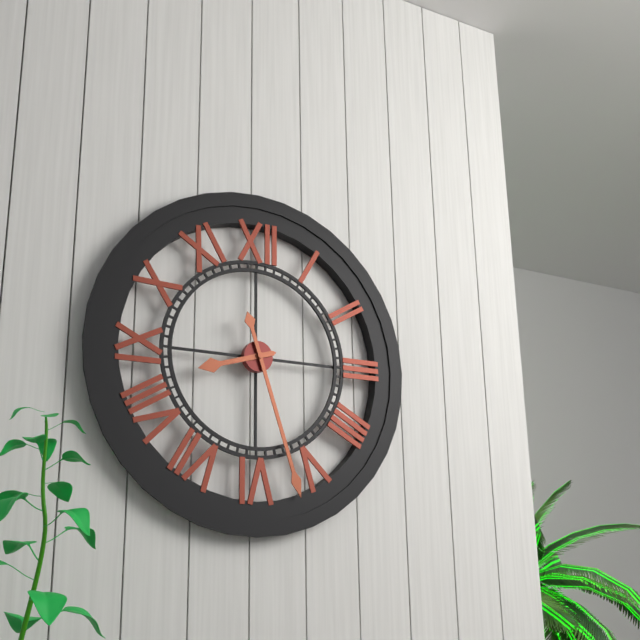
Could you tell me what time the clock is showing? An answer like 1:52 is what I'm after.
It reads 8:27
